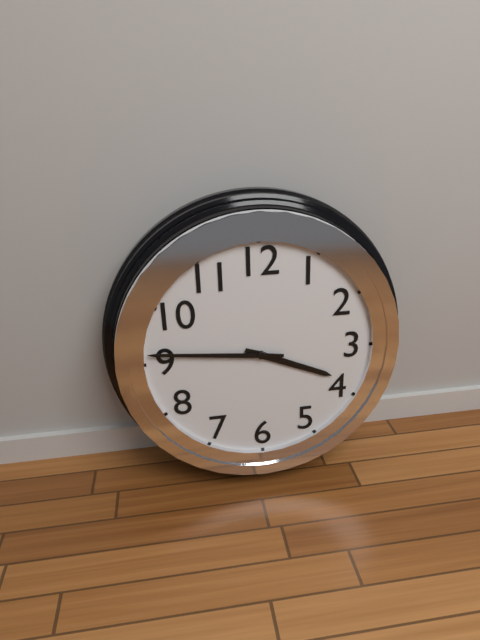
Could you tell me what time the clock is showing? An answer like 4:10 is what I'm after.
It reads 3:46
